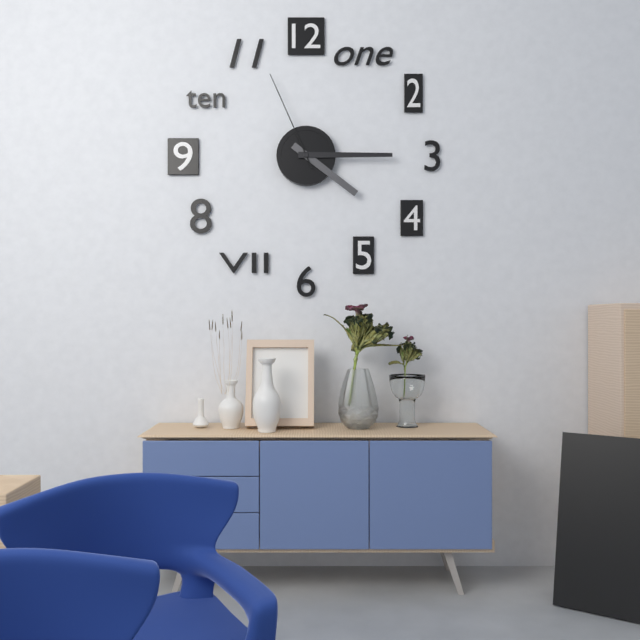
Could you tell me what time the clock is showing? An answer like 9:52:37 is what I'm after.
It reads 4:15:56
